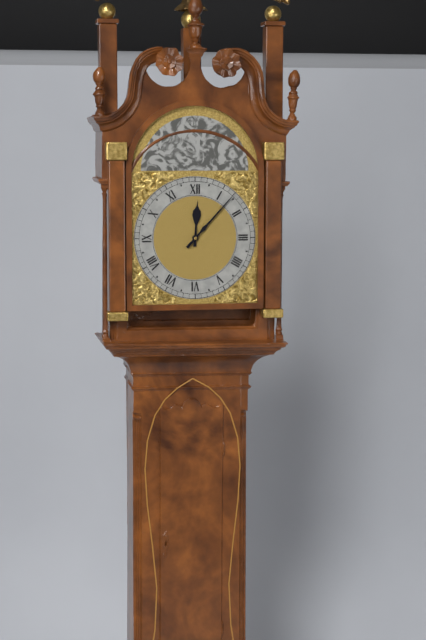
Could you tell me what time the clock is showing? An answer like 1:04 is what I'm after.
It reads 12:07
